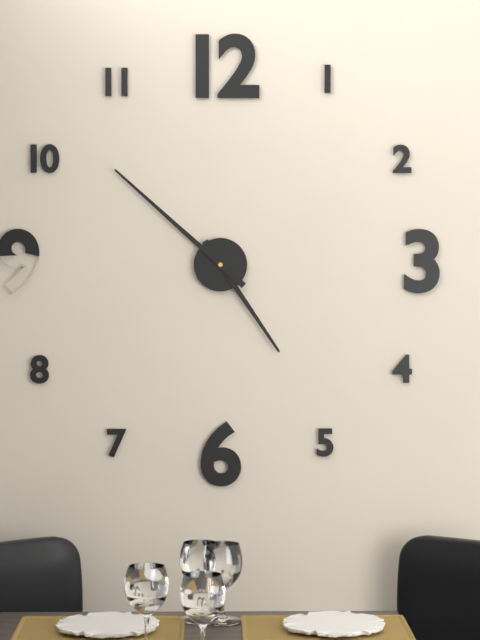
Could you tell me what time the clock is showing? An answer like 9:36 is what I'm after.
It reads 4:52
